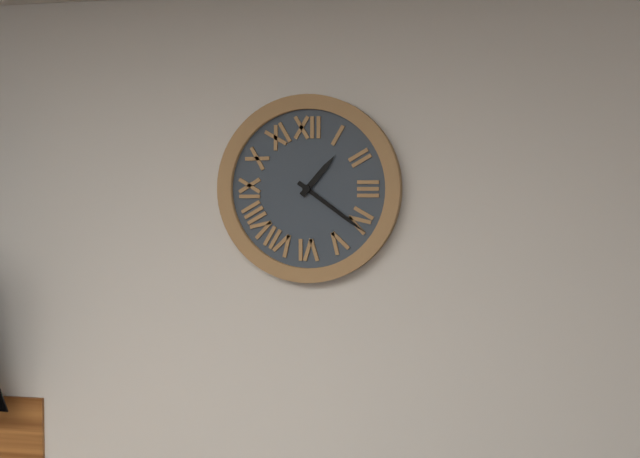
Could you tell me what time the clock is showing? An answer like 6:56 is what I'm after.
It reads 1:21
